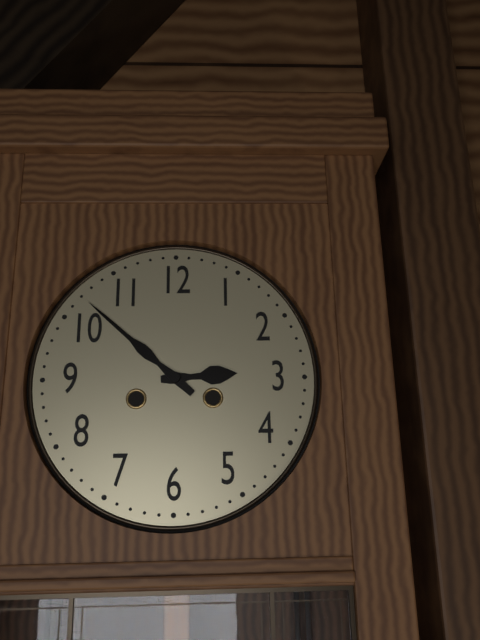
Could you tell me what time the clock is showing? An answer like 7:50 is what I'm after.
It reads 2:52
